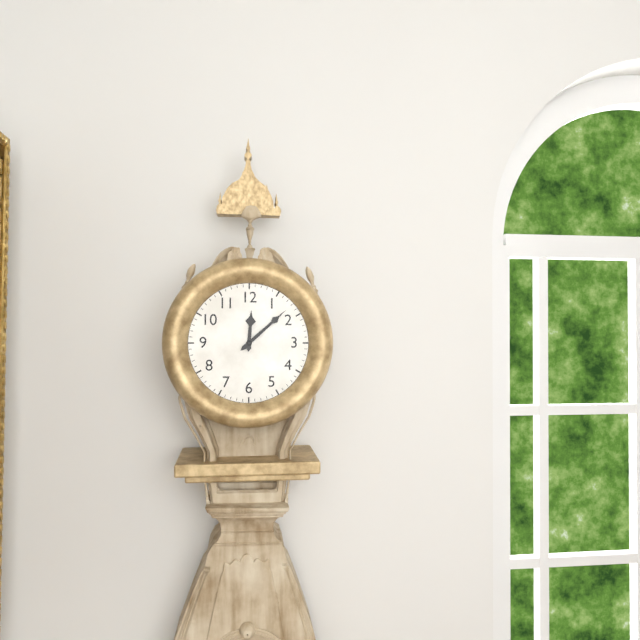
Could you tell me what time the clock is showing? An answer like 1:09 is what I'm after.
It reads 12:08
